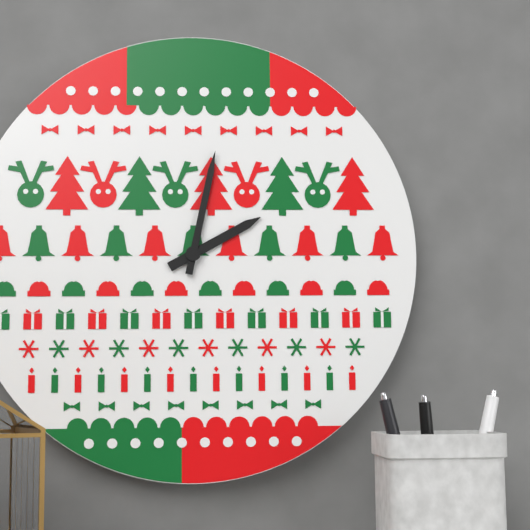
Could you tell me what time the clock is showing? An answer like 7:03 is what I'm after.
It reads 2:02
